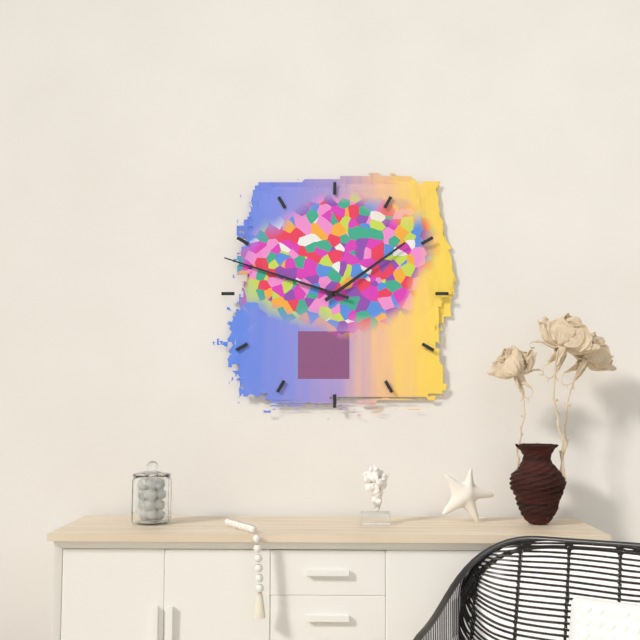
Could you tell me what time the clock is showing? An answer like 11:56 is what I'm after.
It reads 1:48
